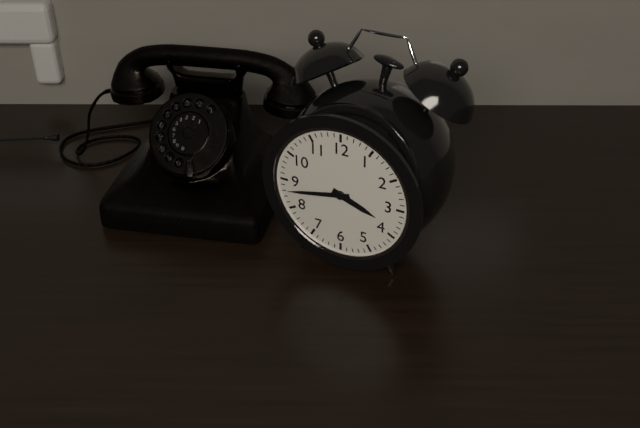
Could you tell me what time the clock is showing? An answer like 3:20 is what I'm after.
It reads 3:43
